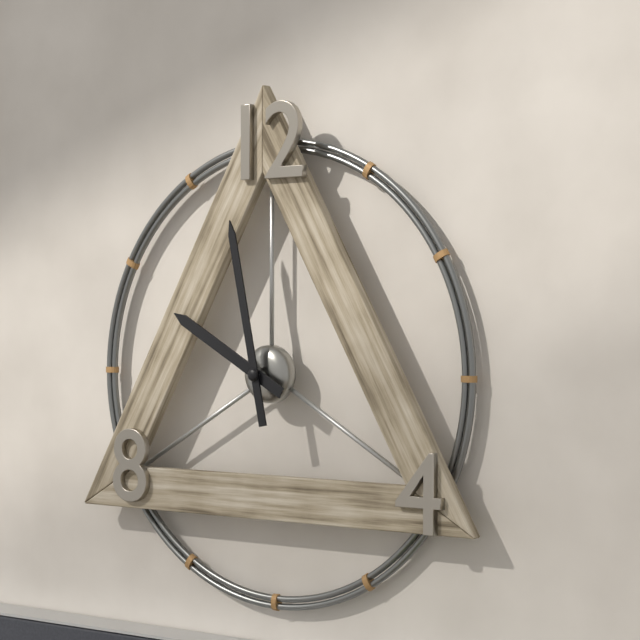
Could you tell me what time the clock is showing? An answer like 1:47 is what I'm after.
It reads 9:58
